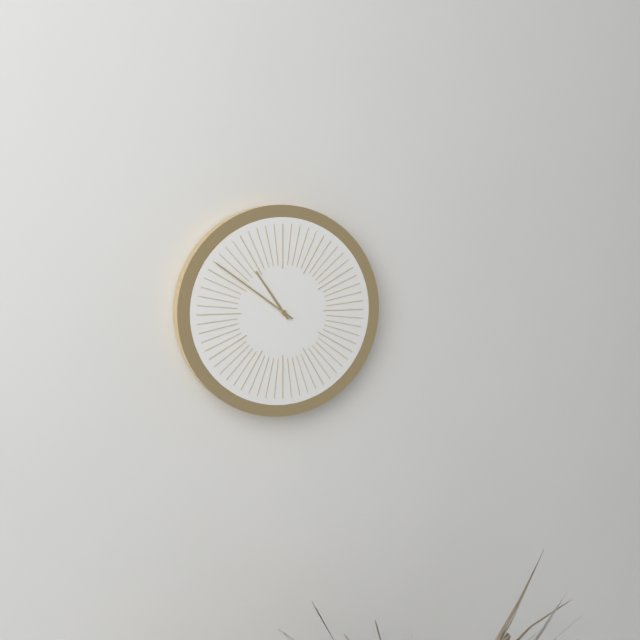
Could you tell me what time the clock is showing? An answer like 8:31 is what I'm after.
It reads 10:51
